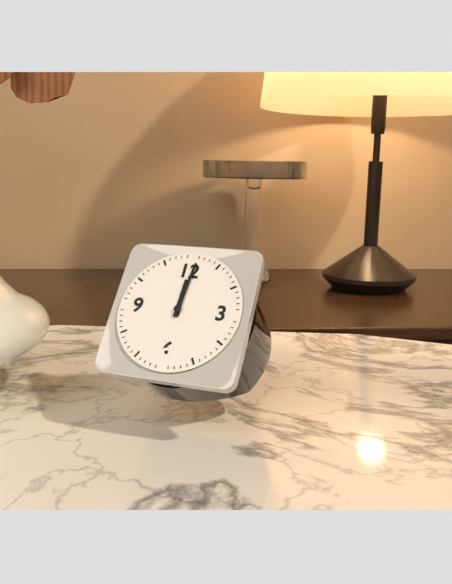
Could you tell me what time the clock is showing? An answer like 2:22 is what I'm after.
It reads 12:01
